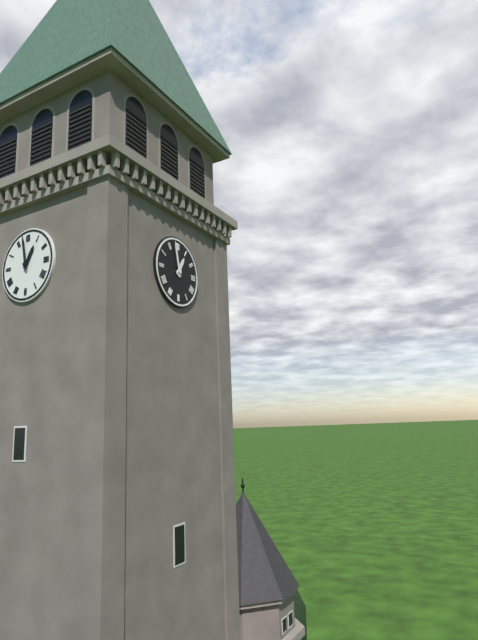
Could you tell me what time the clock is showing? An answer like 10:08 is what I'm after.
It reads 12:58
